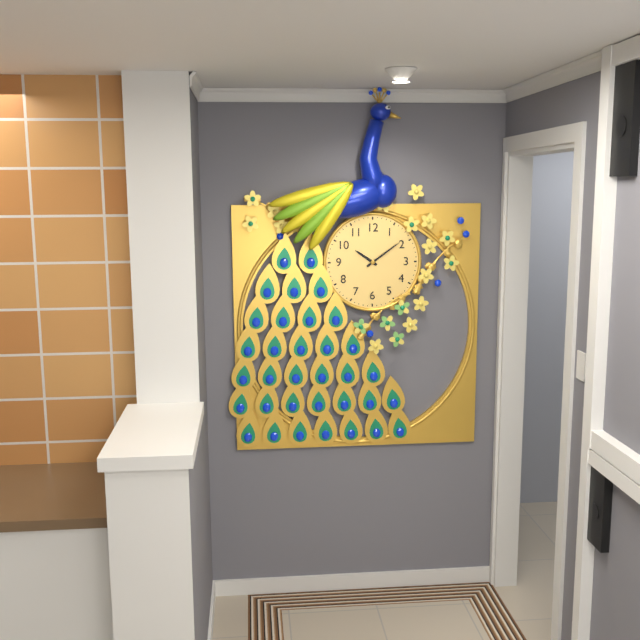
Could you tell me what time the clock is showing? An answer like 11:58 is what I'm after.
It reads 10:09
